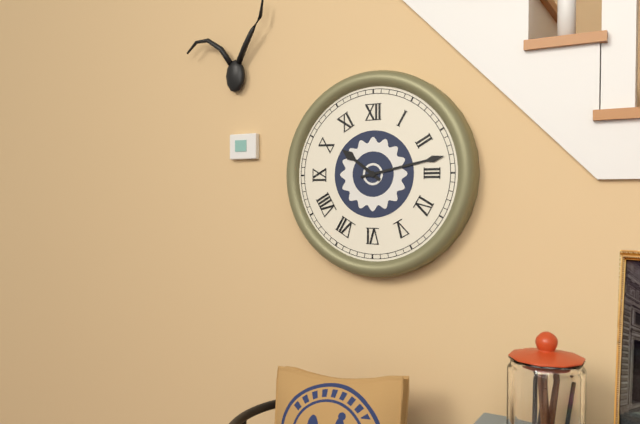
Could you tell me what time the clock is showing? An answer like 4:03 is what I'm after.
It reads 10:13
